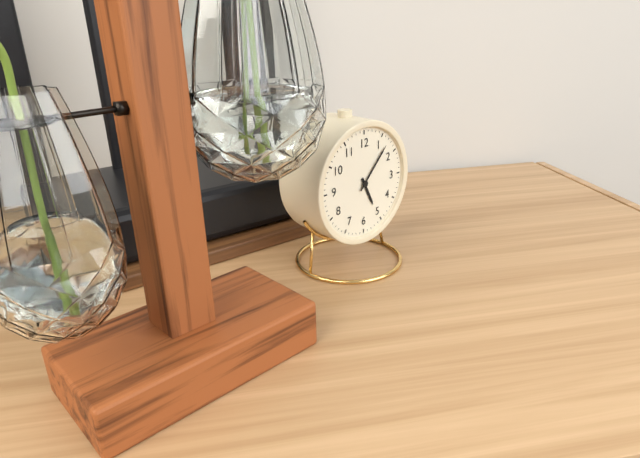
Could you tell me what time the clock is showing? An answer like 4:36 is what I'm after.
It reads 5:07
